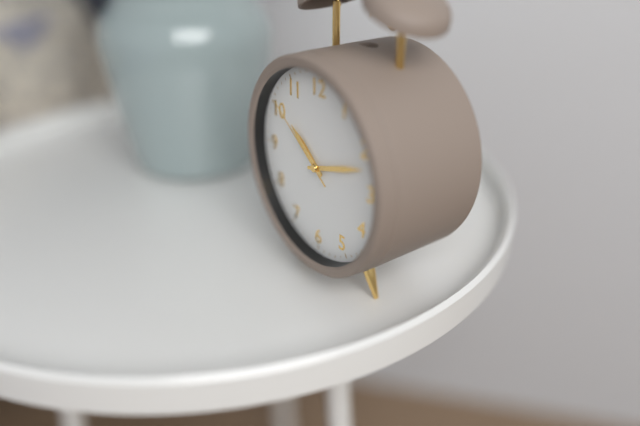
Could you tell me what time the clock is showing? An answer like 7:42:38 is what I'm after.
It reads 10:12:51
